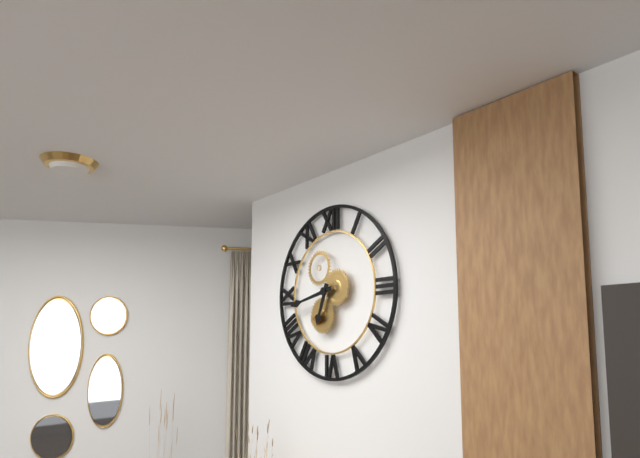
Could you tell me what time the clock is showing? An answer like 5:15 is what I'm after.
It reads 6:43
